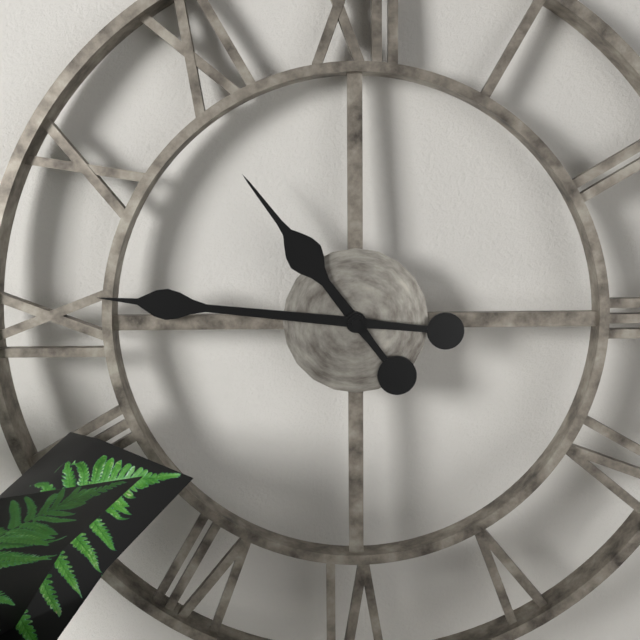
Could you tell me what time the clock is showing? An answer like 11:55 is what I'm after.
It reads 10:46
